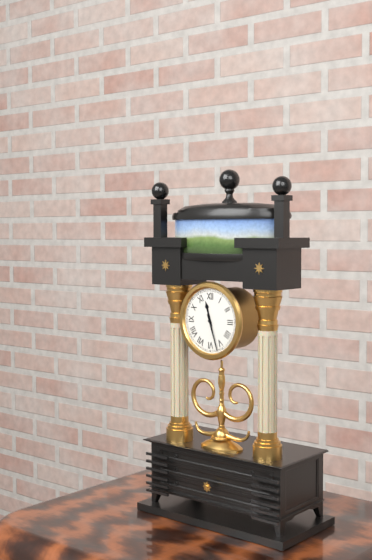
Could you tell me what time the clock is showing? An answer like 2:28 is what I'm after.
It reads 11:27
